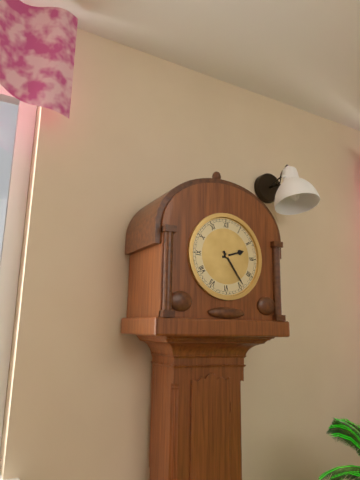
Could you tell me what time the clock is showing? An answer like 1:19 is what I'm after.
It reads 2:24
